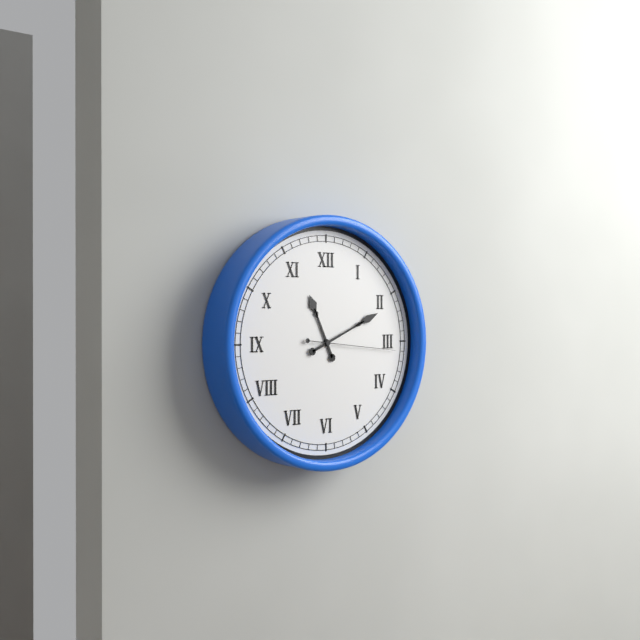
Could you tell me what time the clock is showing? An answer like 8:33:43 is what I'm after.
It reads 11:11:16
